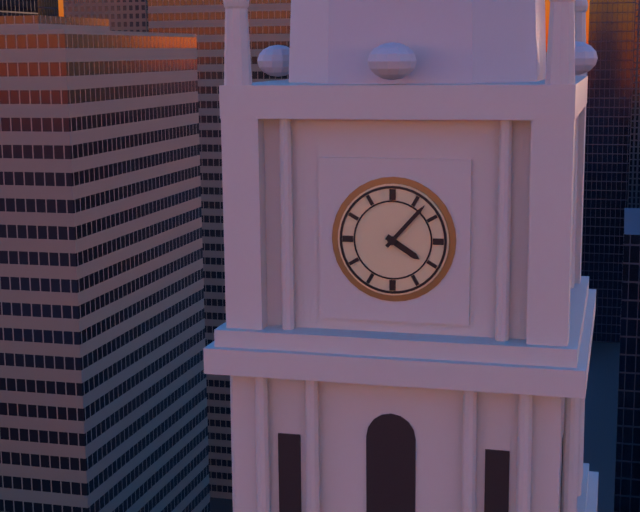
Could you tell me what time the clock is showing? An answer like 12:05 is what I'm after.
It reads 4:07
